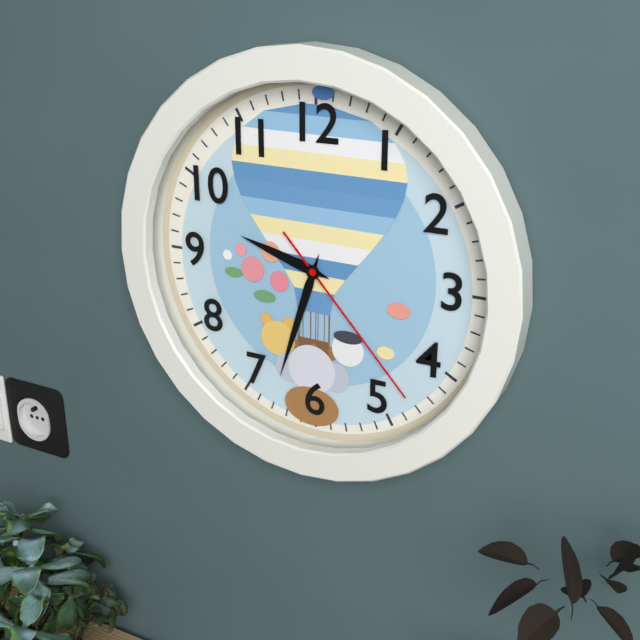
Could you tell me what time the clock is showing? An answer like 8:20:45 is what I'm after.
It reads 9:33:23
